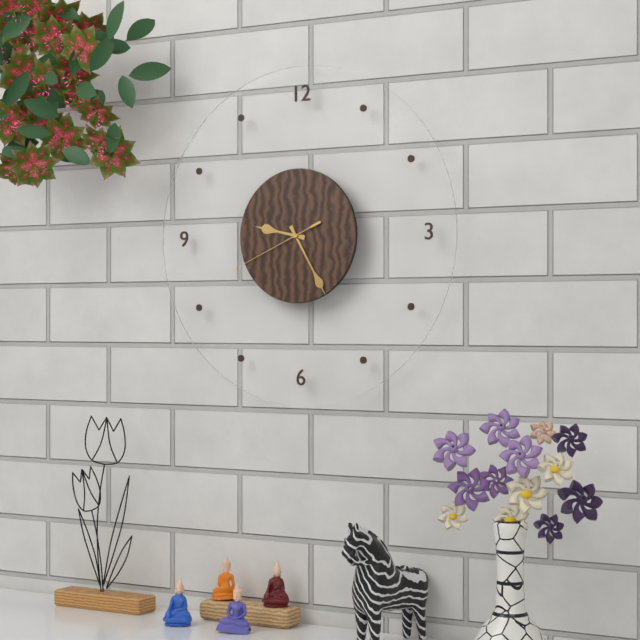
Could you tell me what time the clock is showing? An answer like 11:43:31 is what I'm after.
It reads 9:25:41
